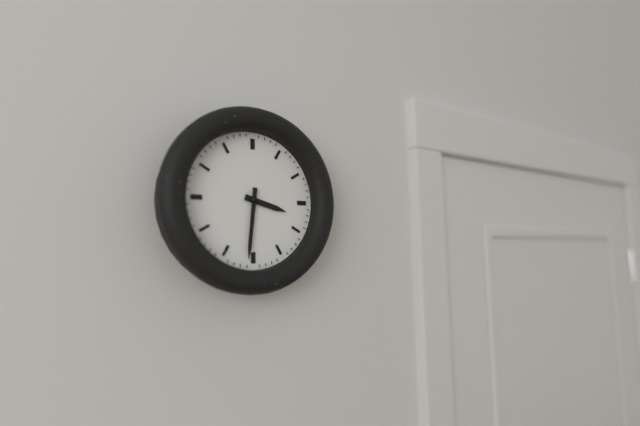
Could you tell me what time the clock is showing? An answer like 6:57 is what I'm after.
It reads 3:31
